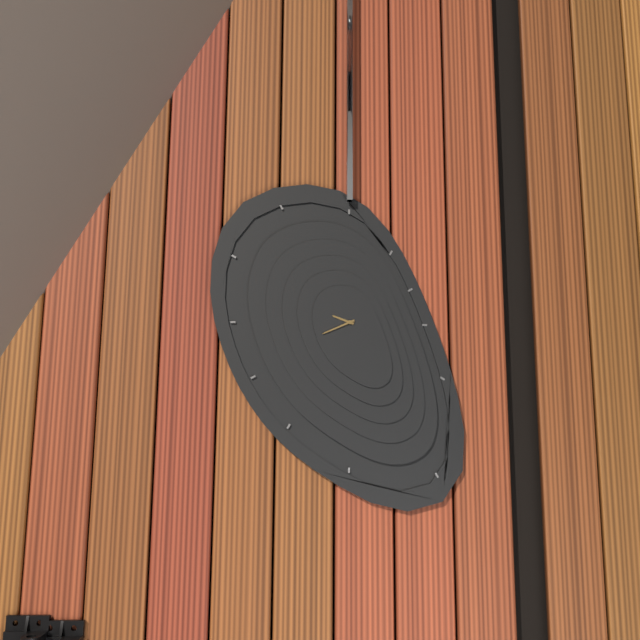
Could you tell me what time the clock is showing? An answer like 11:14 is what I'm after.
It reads 9:41
